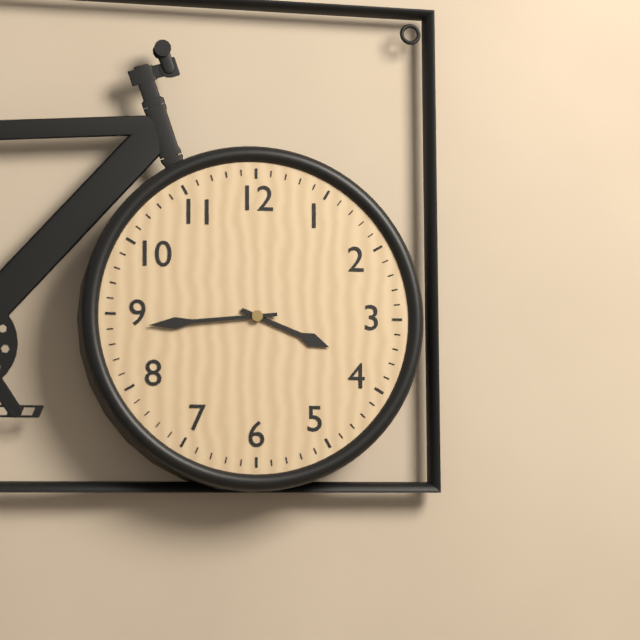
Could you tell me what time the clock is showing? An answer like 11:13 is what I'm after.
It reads 3:44
